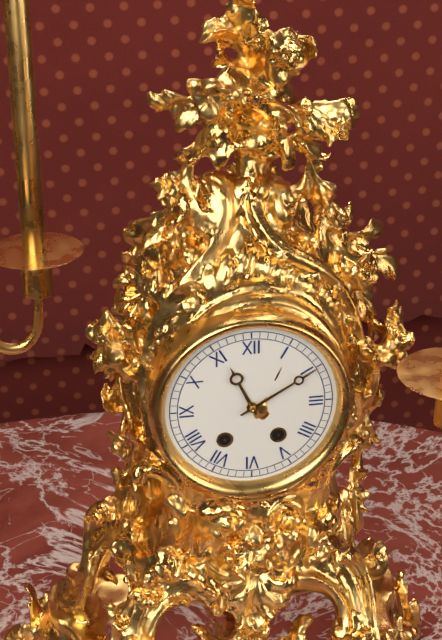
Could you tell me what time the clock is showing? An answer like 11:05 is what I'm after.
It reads 11:10
